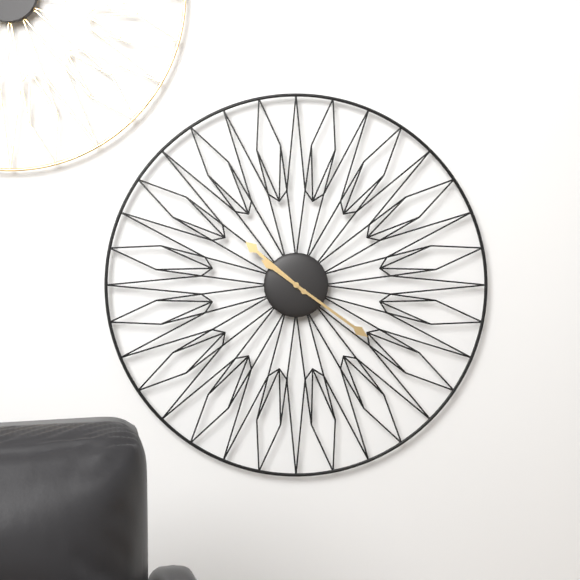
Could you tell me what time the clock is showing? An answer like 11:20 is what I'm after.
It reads 10:21
